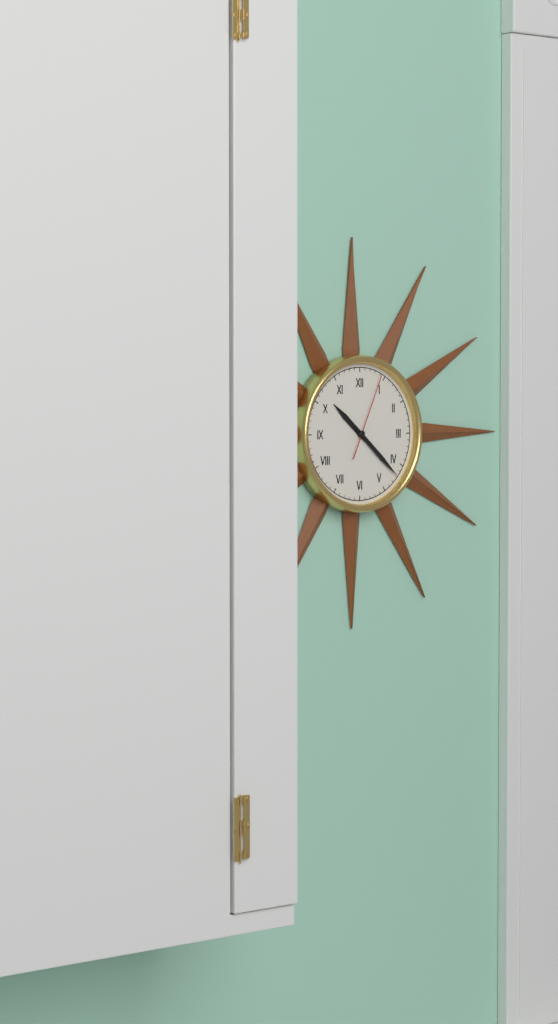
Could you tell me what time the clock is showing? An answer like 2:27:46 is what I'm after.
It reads 10:22:04
